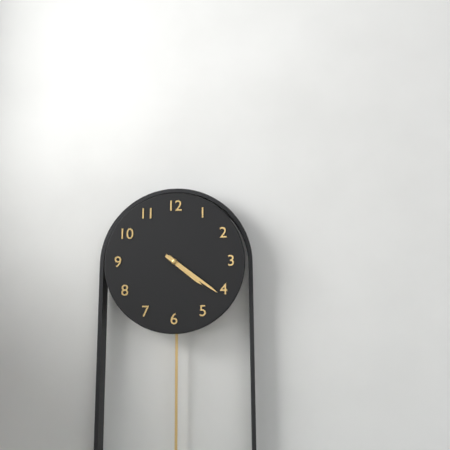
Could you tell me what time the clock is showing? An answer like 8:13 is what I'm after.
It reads 4:21
